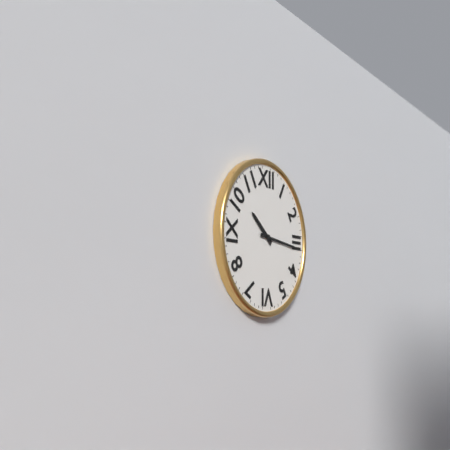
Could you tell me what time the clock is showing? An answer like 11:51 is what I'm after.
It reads 10:16
